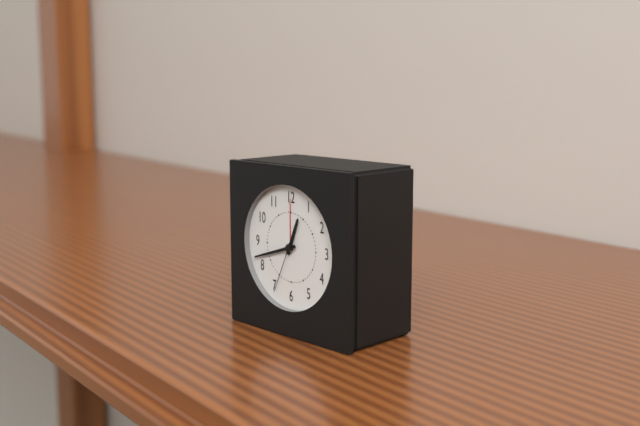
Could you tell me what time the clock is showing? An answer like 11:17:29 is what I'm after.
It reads 12:42:34
